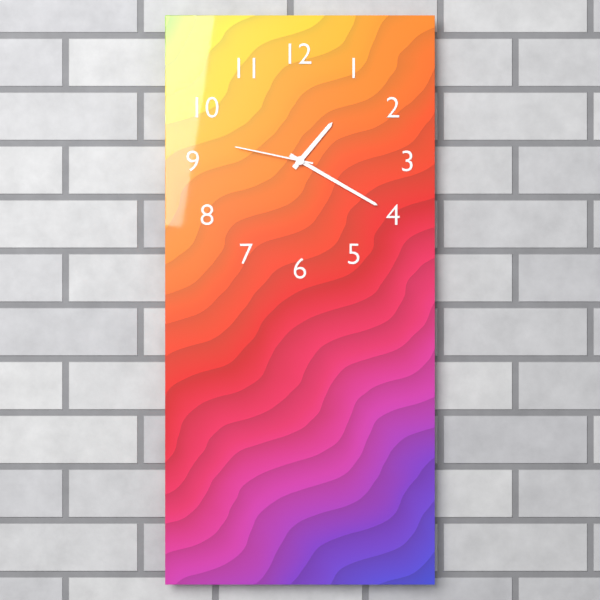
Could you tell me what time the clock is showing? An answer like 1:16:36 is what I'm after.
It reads 1:20:47
